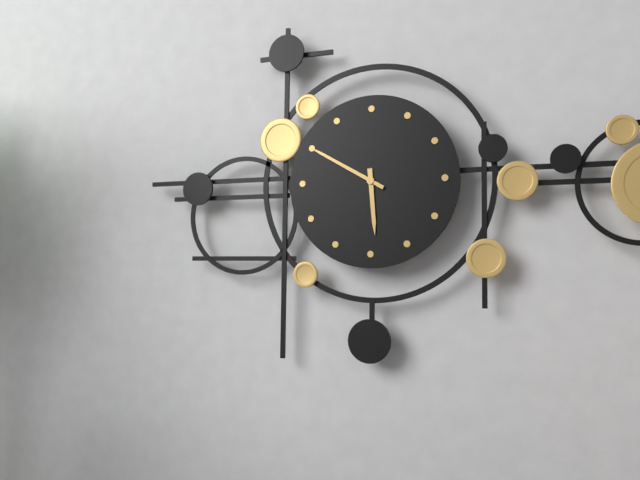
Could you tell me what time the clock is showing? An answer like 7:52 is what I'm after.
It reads 5:50
